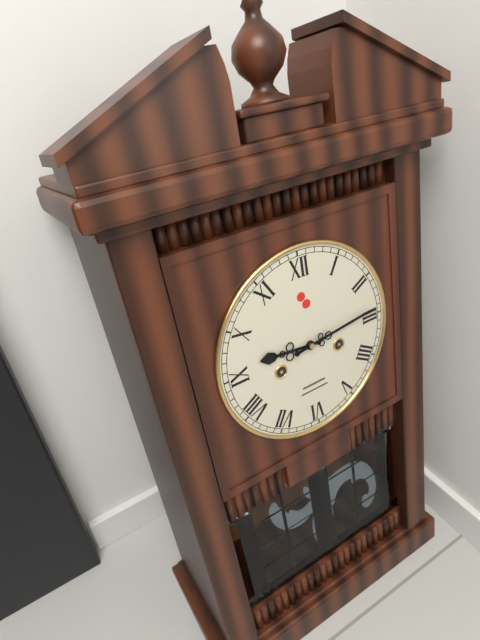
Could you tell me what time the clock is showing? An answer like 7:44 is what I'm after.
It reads 9:14
